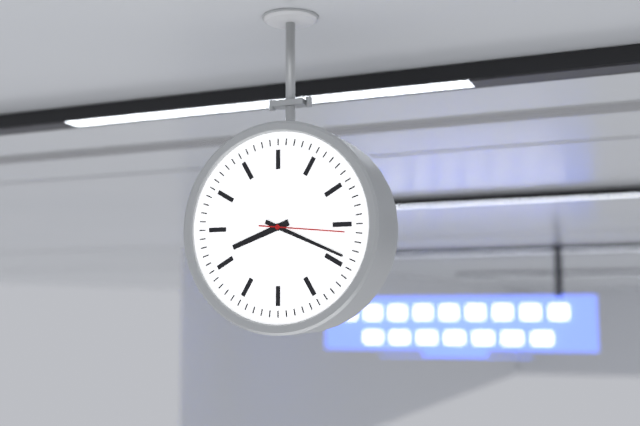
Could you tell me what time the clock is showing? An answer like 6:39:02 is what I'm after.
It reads 8:19:16
